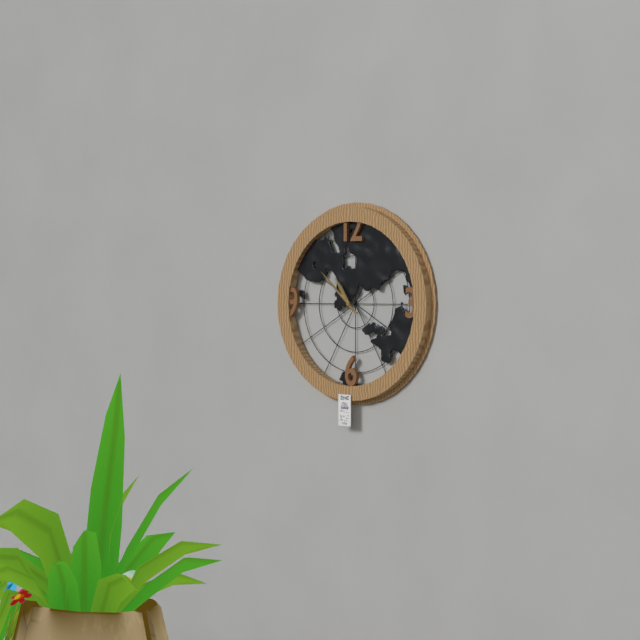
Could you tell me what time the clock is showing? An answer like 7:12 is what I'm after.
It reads 10:52
